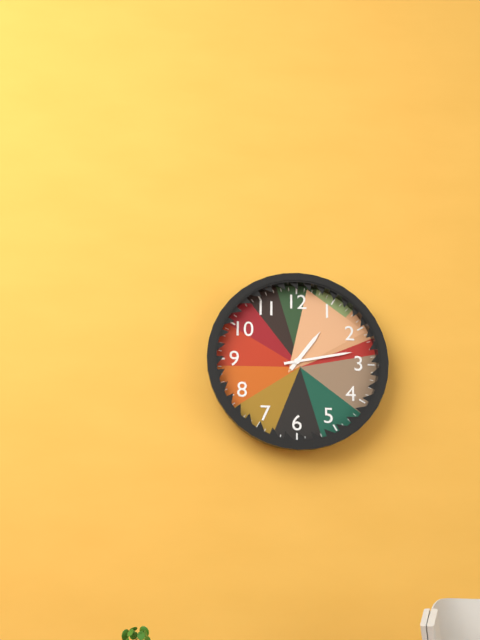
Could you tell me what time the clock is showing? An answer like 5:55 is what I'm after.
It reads 1:13
